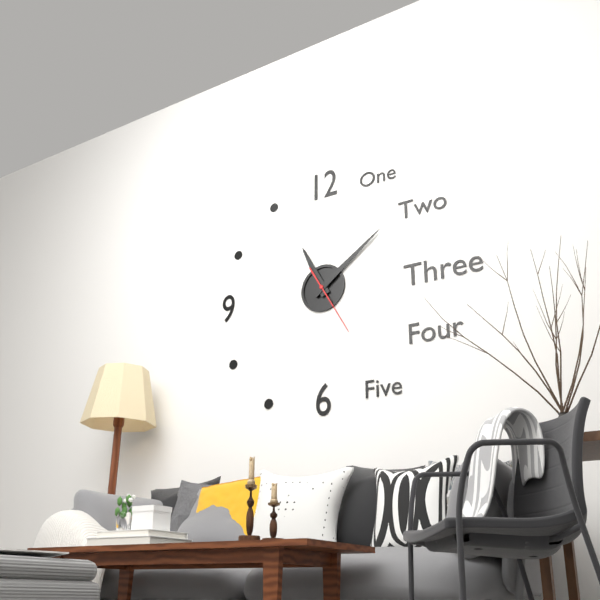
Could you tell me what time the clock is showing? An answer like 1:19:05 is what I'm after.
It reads 11:09:25
